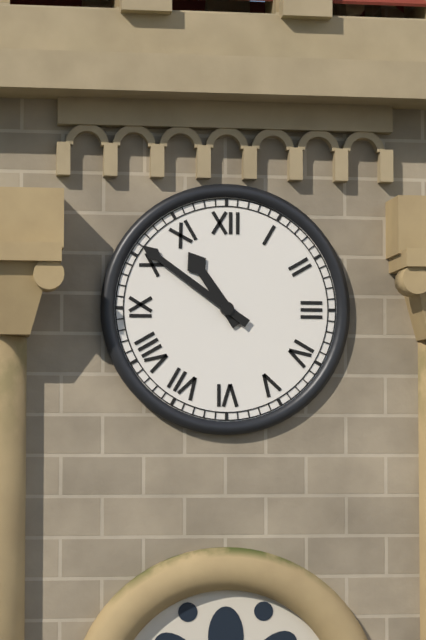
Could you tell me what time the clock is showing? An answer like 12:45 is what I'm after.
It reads 10:51
